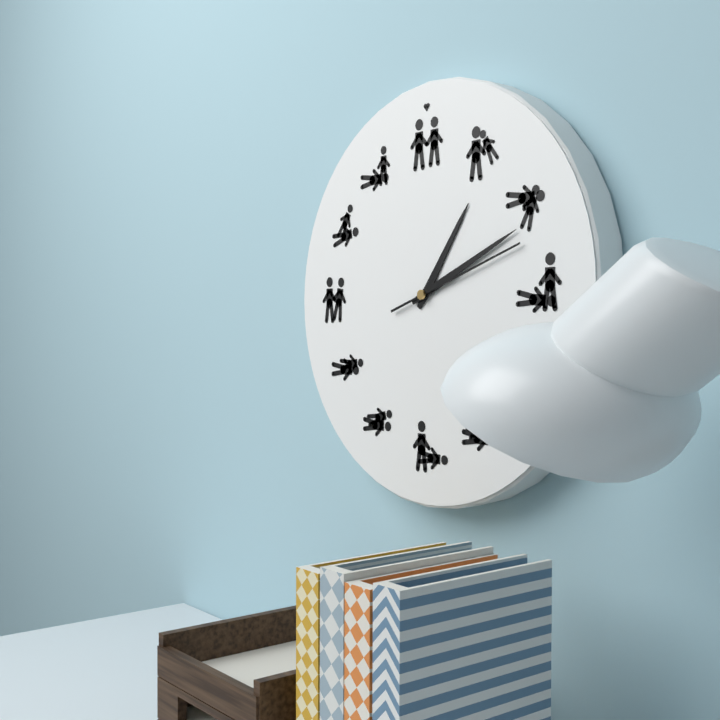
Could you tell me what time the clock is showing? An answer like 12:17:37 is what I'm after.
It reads 1:11:12
